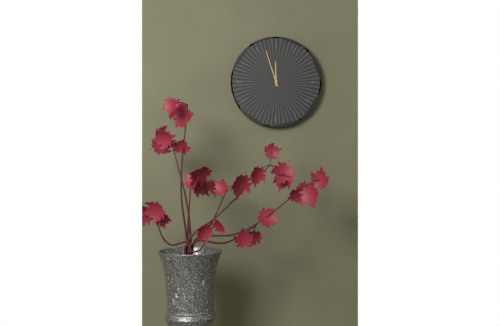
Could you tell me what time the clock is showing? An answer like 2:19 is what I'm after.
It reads 11:57
